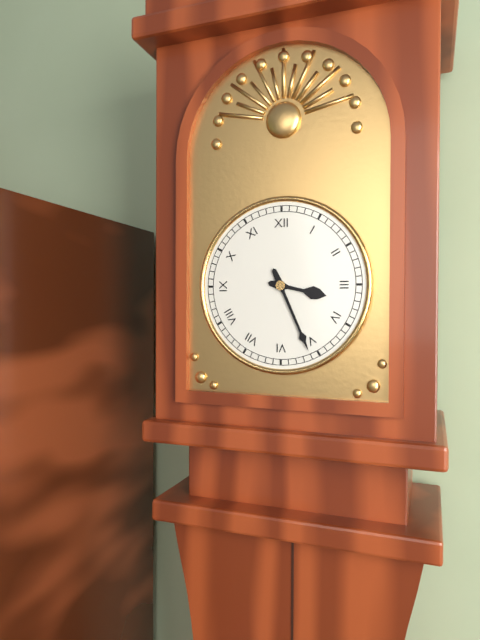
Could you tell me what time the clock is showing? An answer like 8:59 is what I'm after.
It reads 3:26
